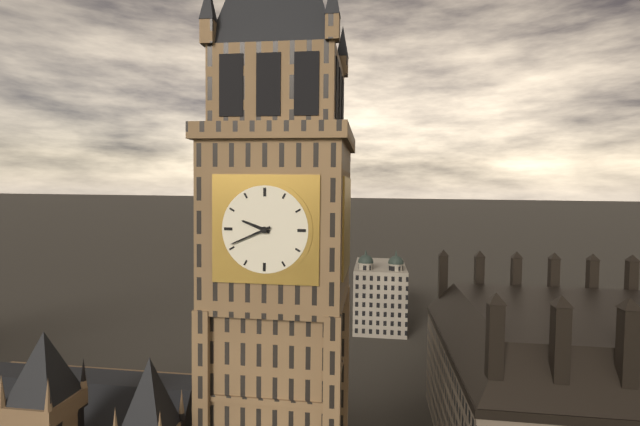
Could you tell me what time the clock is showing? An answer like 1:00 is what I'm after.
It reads 9:41
